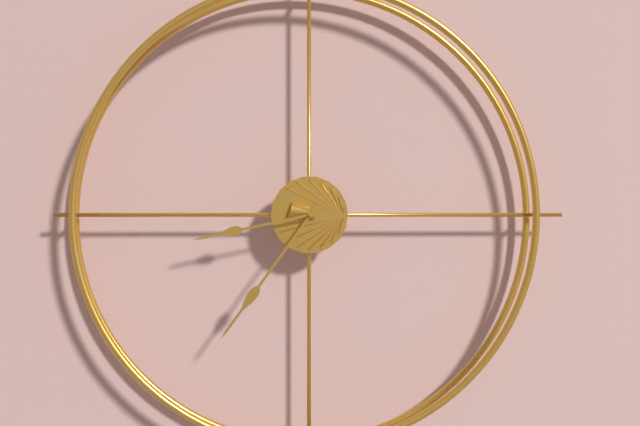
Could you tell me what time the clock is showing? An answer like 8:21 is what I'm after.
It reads 8:36
